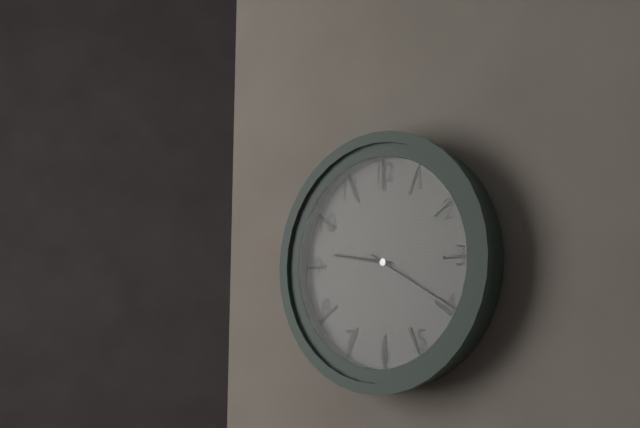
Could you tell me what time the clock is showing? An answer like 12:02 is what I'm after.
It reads 9:20
